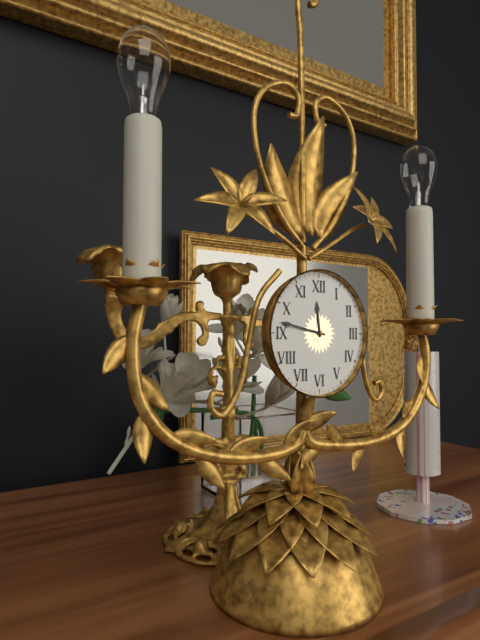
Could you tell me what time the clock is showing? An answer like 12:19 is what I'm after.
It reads 11:47
